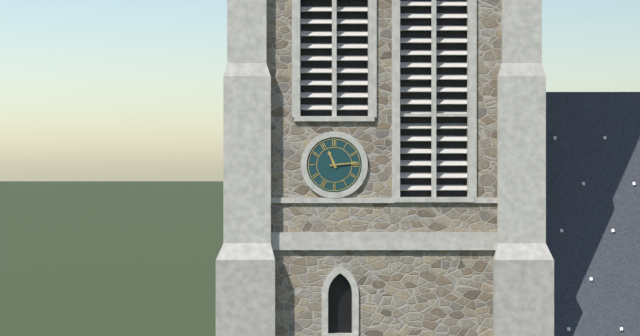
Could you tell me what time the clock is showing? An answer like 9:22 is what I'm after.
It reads 11:14
